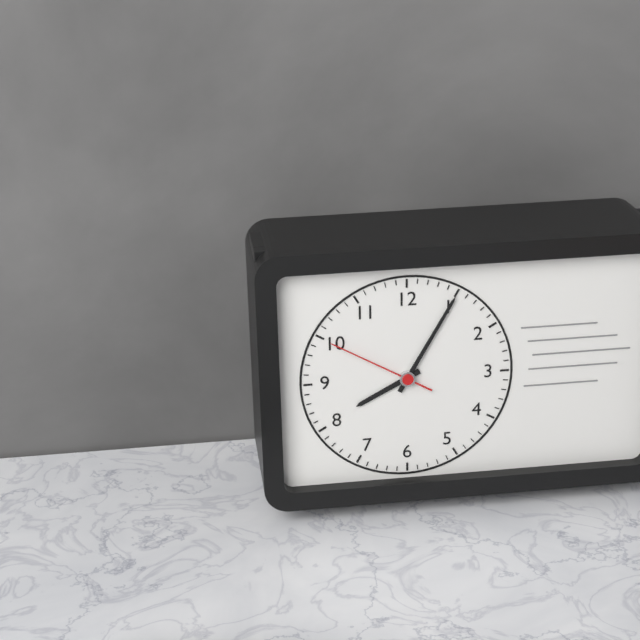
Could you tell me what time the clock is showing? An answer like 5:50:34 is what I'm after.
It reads 8:05:50
